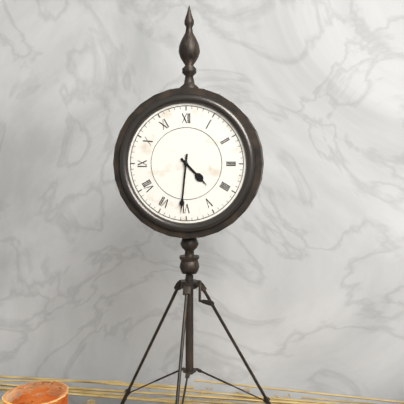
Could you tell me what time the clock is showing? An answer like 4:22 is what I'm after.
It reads 4:31
